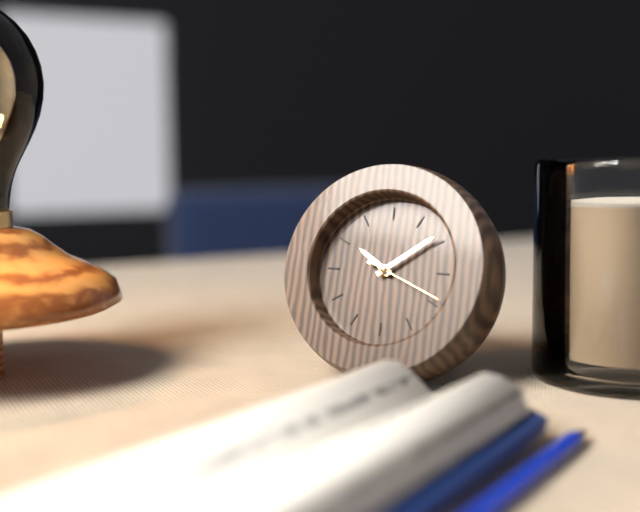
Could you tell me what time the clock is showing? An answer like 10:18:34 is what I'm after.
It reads 10:09:19
